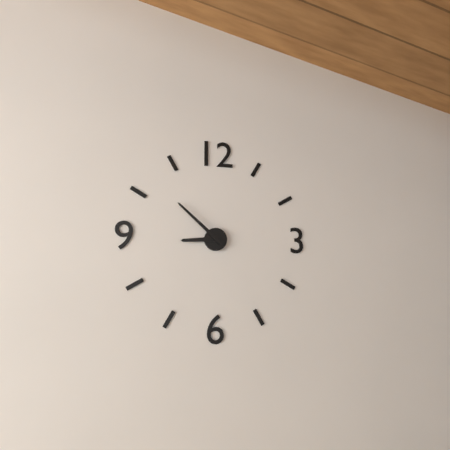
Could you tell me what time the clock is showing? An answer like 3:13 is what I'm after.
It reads 8:52
